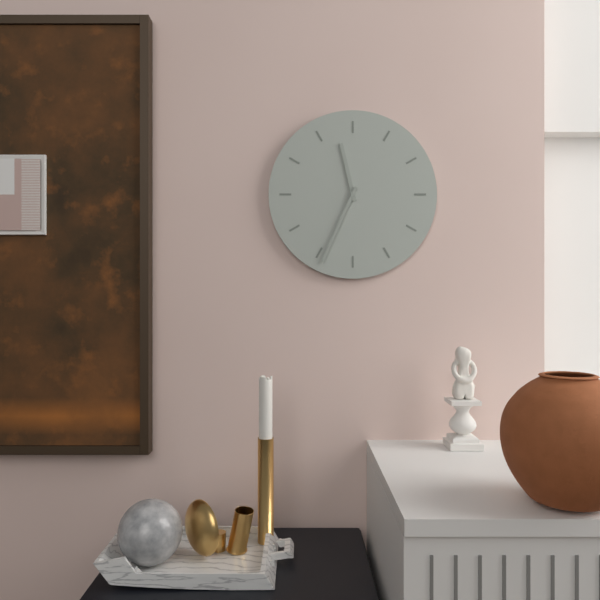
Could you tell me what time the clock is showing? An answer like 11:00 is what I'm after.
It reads 11:34
